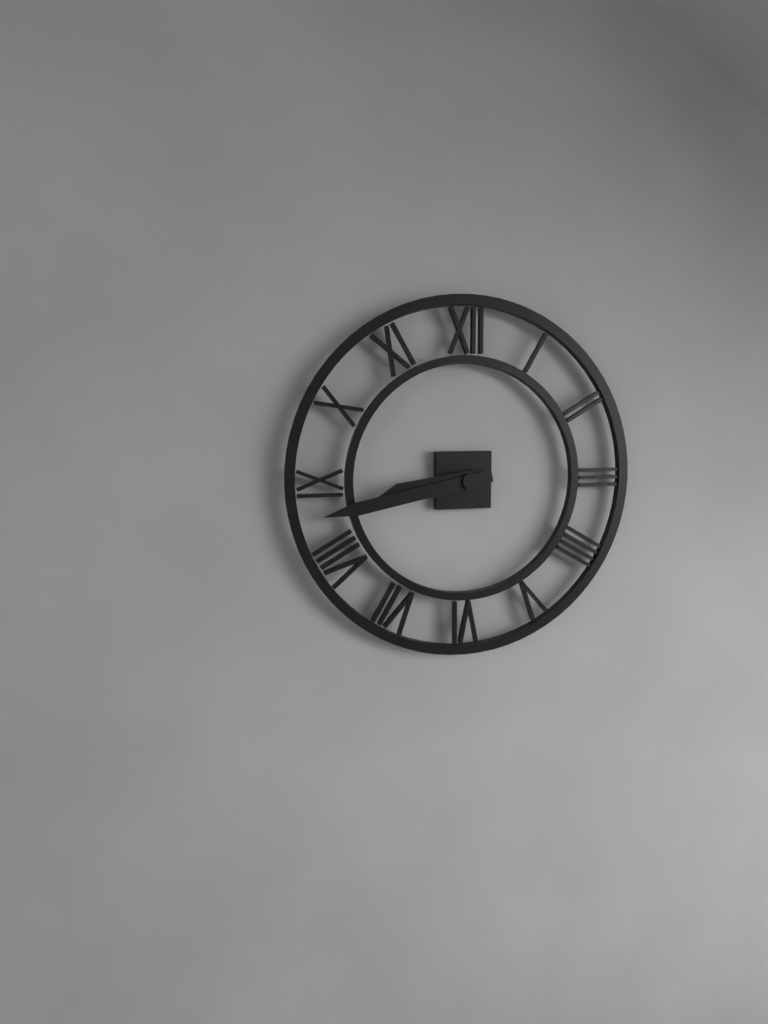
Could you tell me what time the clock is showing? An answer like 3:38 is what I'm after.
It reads 8:43
